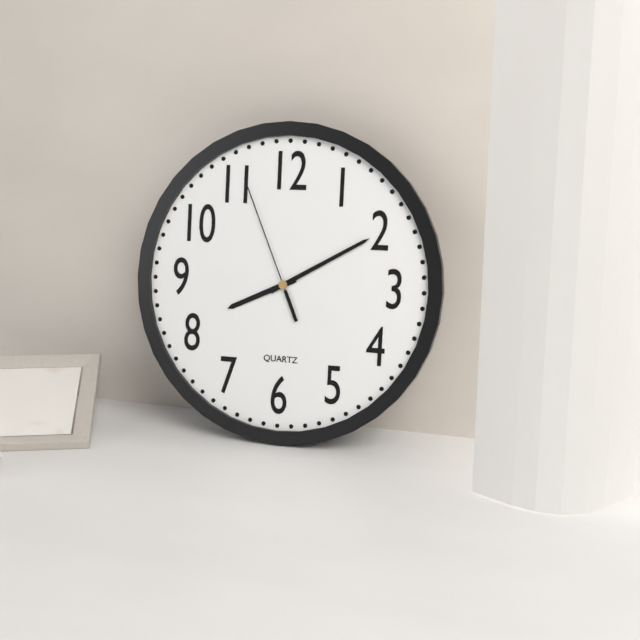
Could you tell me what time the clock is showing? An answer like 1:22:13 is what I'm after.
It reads 8:10:56
